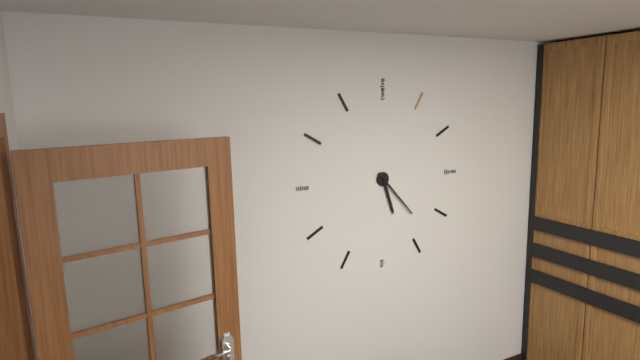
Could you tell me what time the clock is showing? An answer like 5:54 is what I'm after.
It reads 5:23
